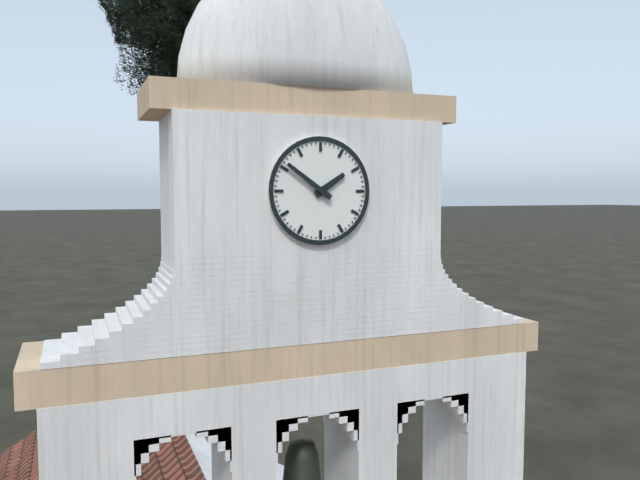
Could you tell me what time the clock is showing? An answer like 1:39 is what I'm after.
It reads 1:51
